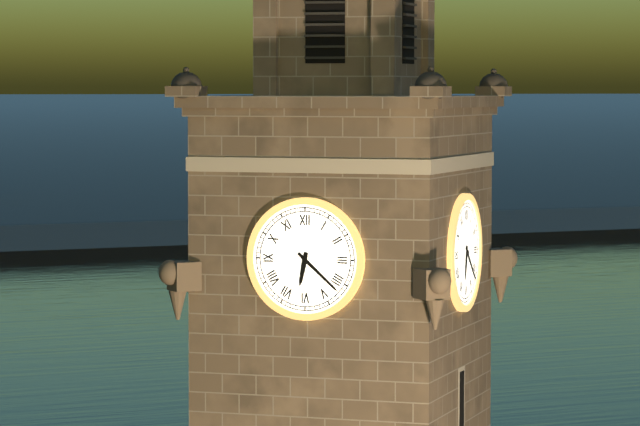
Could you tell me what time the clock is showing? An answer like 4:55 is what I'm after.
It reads 6:22
